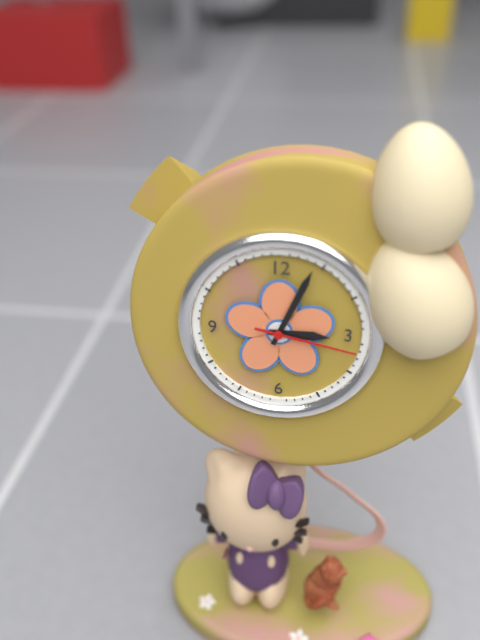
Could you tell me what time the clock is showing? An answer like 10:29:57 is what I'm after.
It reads 3:04:17
